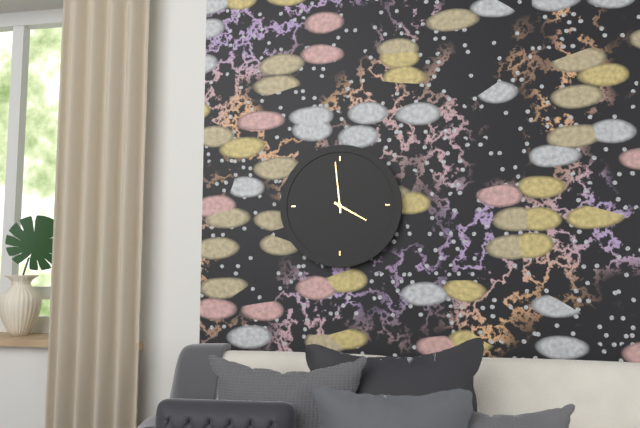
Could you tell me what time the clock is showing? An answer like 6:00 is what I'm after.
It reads 3:59
